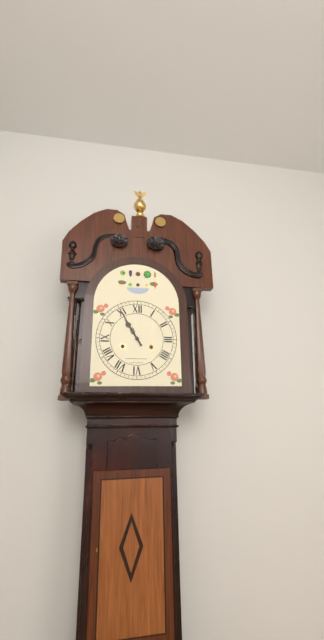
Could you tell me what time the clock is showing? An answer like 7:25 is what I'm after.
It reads 10:55
